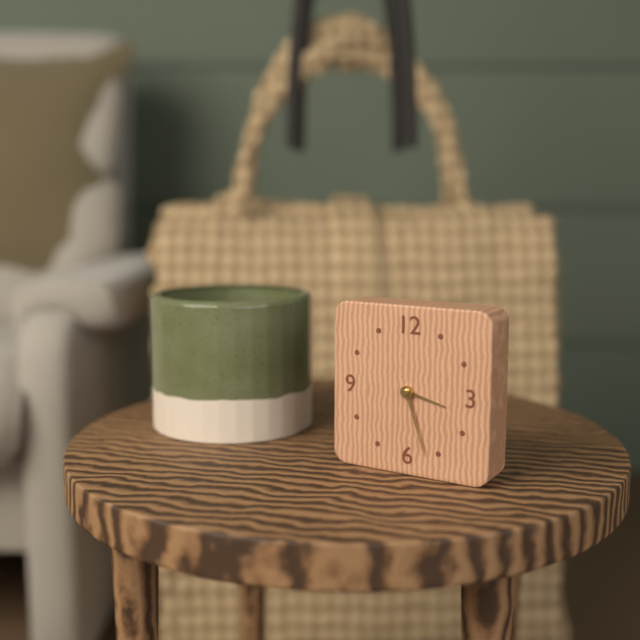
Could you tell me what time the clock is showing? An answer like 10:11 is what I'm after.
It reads 3:27
